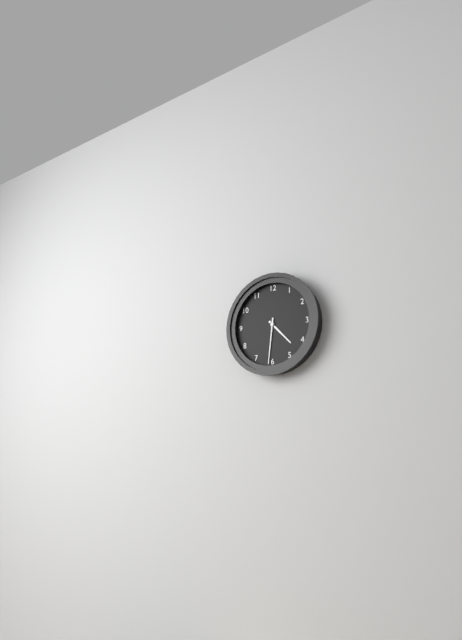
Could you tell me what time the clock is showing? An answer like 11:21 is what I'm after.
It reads 4:31
